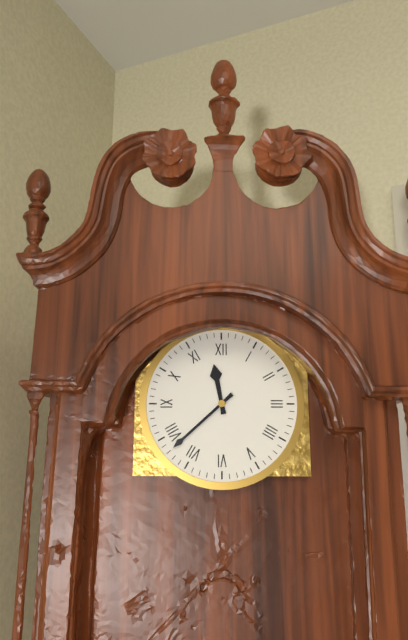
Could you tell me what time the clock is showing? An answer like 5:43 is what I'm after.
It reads 11:38
